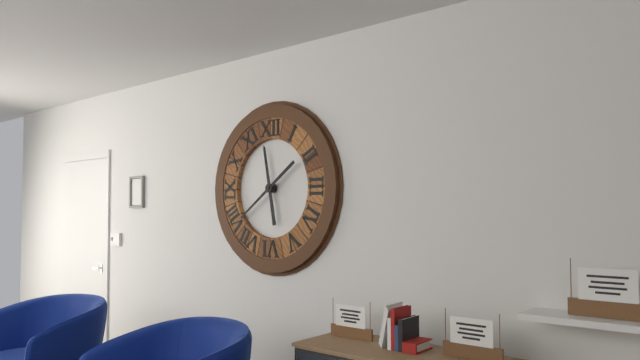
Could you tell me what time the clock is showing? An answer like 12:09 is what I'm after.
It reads 11:39
